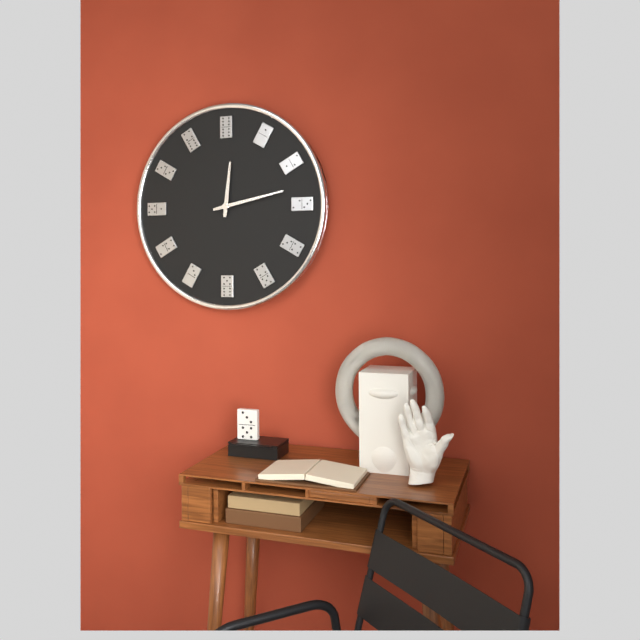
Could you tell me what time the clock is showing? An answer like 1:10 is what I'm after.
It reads 12:13
